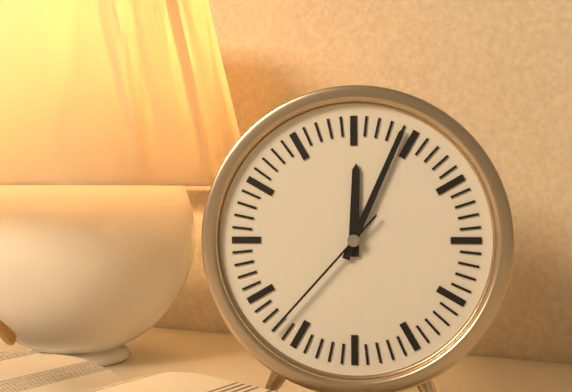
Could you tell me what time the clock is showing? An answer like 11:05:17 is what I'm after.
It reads 12:04:37
